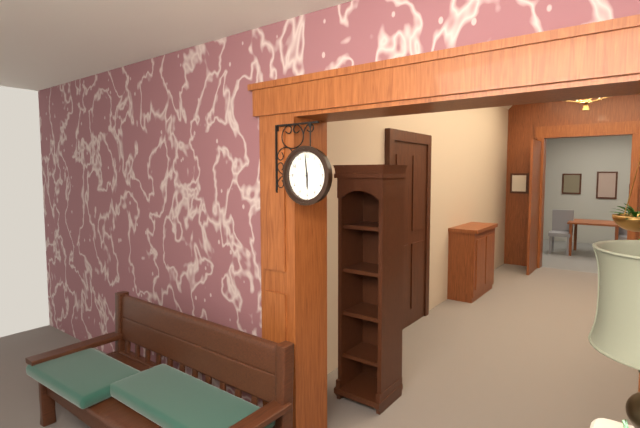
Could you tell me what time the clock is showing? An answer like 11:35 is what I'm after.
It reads 5:59
